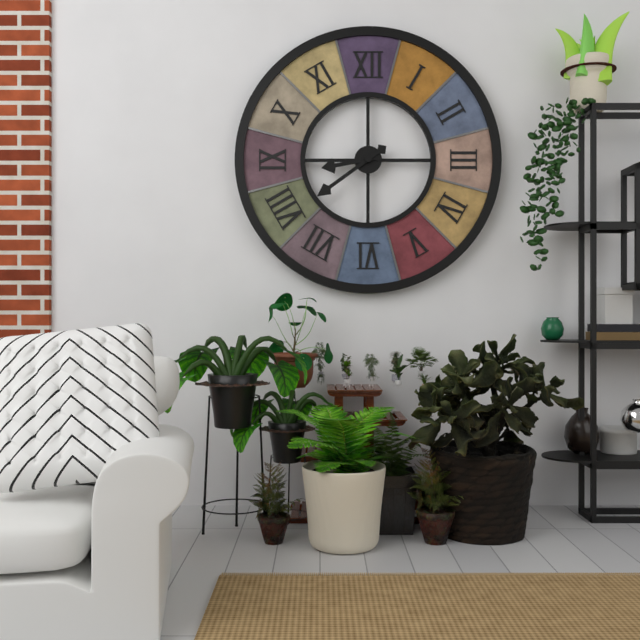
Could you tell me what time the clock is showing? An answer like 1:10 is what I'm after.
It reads 8:39
